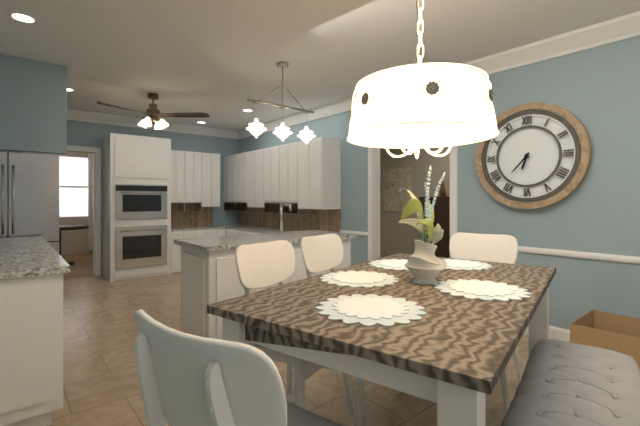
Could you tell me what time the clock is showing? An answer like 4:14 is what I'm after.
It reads 6:37
